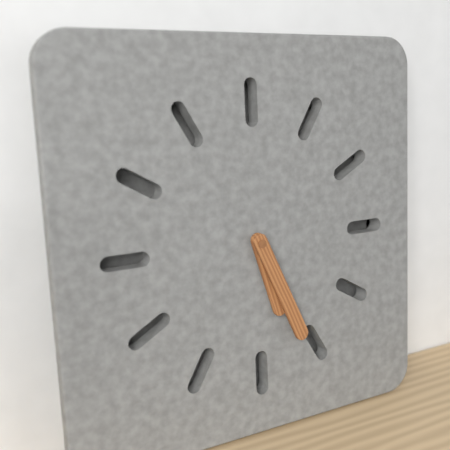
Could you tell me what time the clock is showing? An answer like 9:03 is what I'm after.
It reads 5:26
